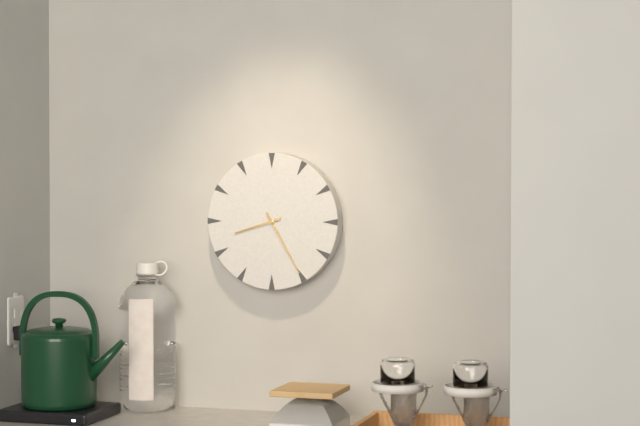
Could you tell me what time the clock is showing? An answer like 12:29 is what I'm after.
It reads 8:25
